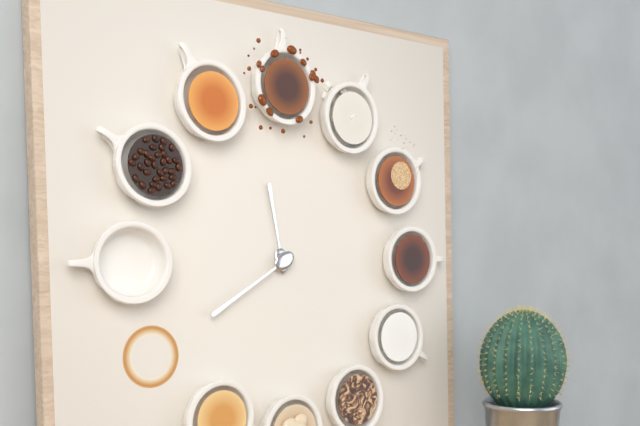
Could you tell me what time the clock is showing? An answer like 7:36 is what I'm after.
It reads 11:40
